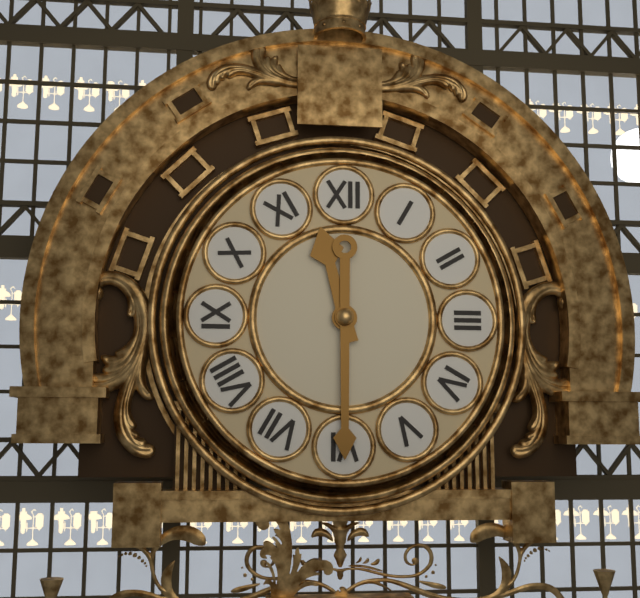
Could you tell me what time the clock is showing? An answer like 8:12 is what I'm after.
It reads 11:30
